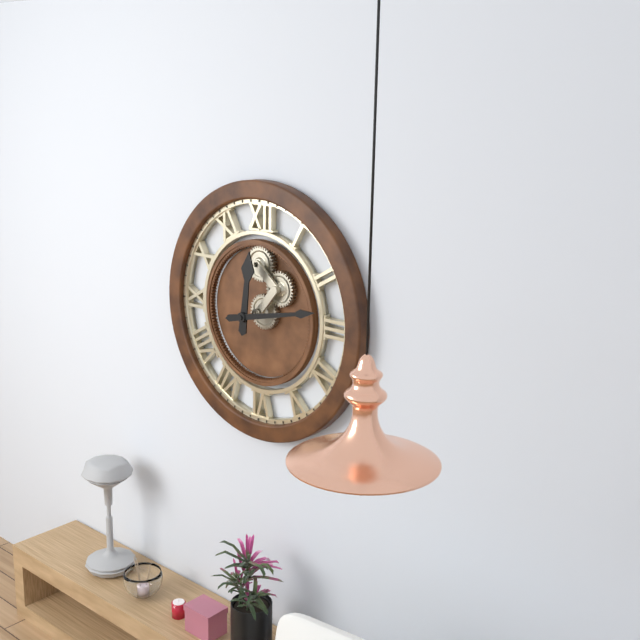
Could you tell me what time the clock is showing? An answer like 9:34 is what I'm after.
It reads 12:13
